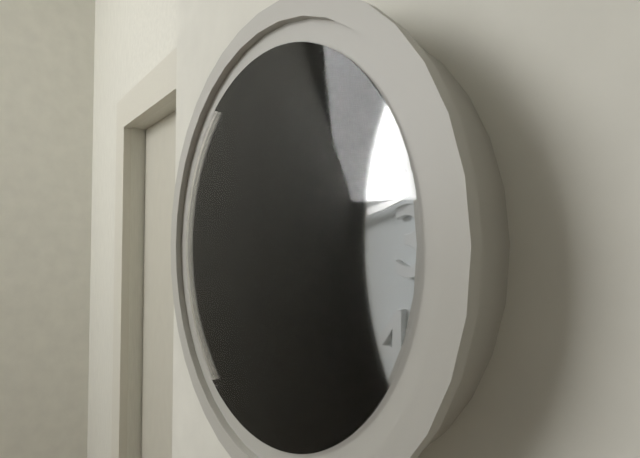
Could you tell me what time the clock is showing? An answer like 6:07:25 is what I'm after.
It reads 9:13:51
